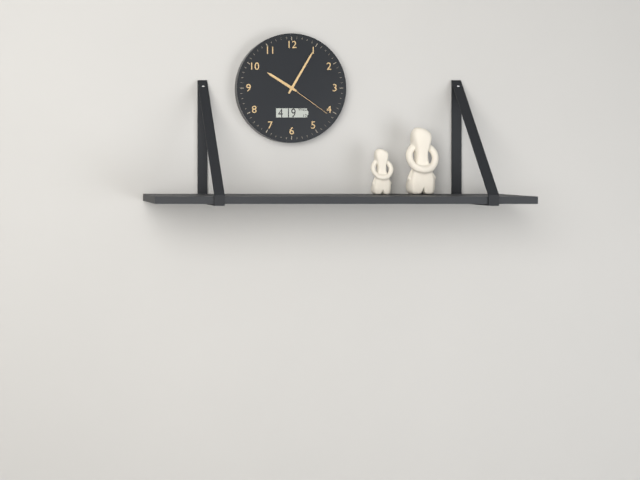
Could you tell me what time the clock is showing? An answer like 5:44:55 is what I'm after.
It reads 10:05:21
